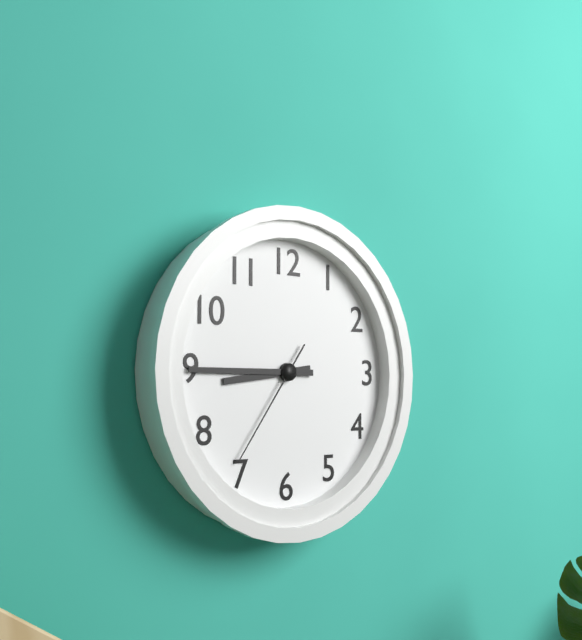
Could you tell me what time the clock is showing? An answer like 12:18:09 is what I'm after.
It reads 8:45:36
